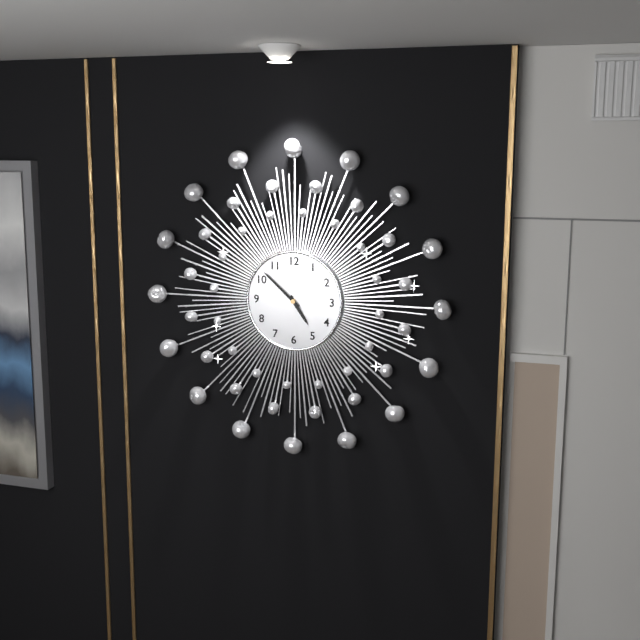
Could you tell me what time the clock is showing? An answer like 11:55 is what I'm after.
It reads 4:52
